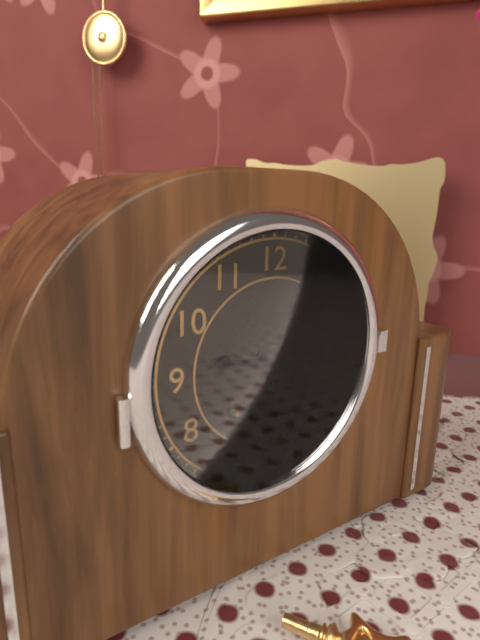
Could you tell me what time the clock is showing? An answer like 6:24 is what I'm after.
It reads 9:21
